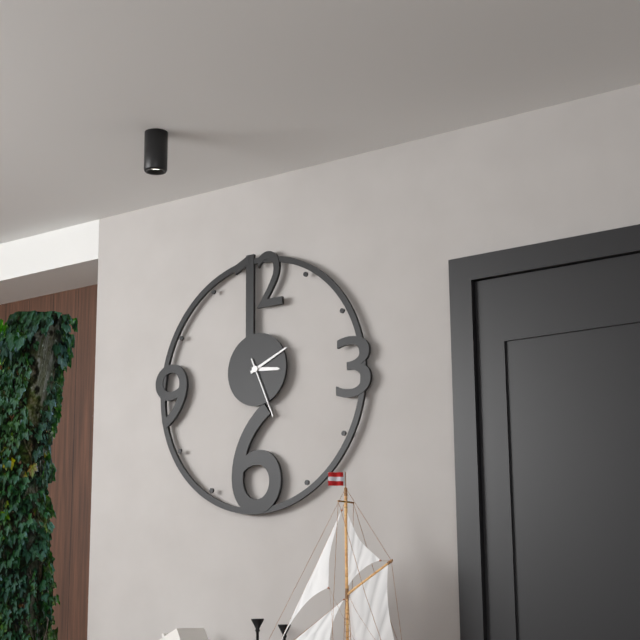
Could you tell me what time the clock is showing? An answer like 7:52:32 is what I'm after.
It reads 3:11:26
